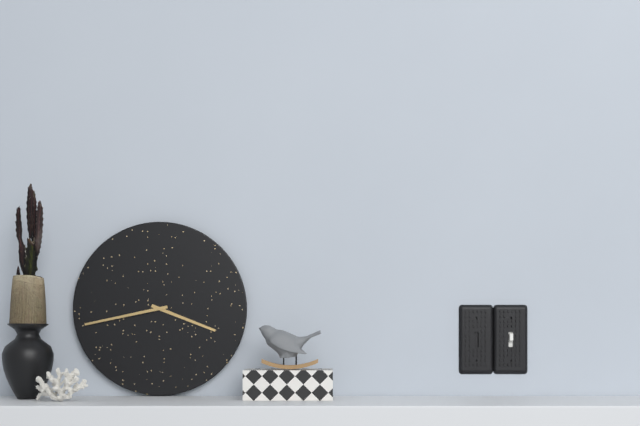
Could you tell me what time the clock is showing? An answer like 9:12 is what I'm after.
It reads 3:43
